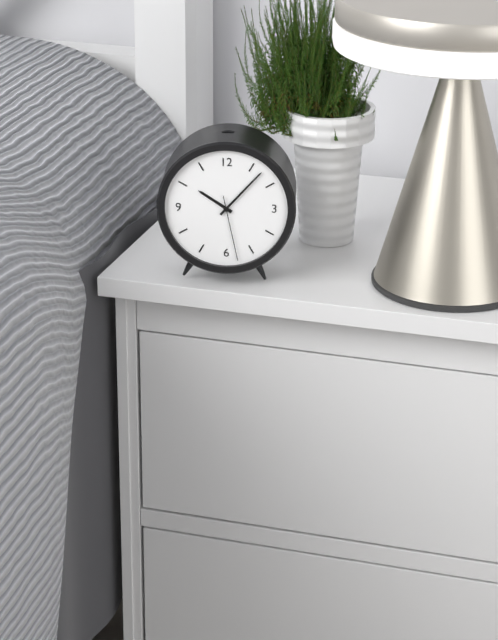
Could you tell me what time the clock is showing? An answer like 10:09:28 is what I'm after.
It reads 10:07:28
